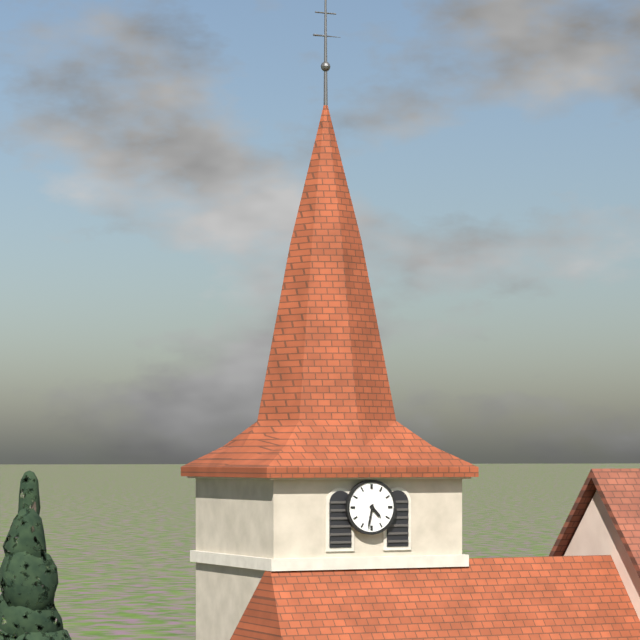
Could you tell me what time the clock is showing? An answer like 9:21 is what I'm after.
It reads 4:32
